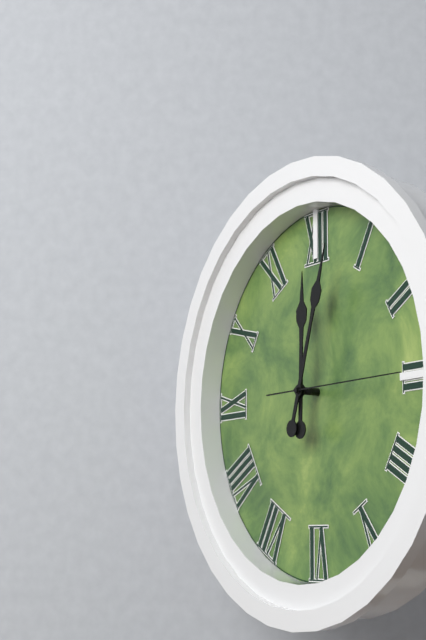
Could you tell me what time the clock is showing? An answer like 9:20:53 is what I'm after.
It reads 12:03:15
